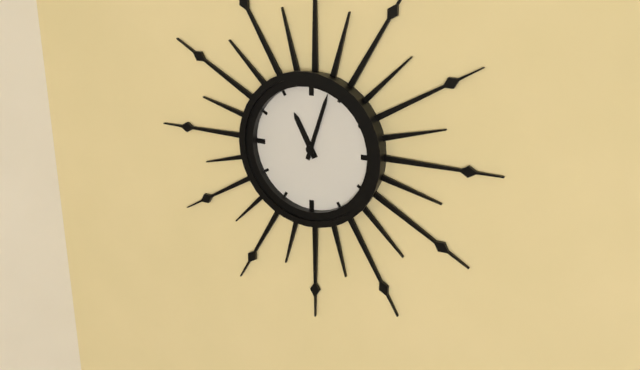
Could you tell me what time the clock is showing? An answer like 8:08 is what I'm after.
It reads 11:03
